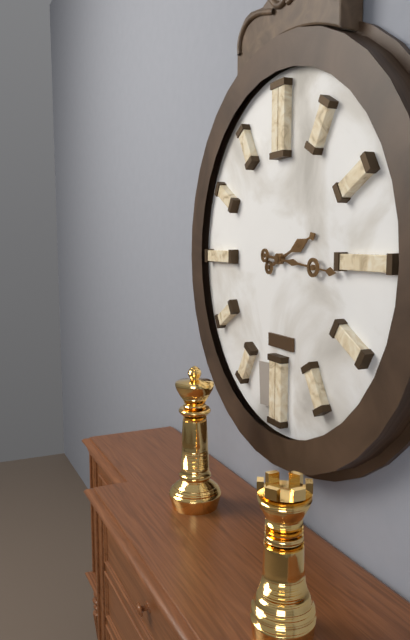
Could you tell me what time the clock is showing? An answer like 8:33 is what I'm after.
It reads 2:16
